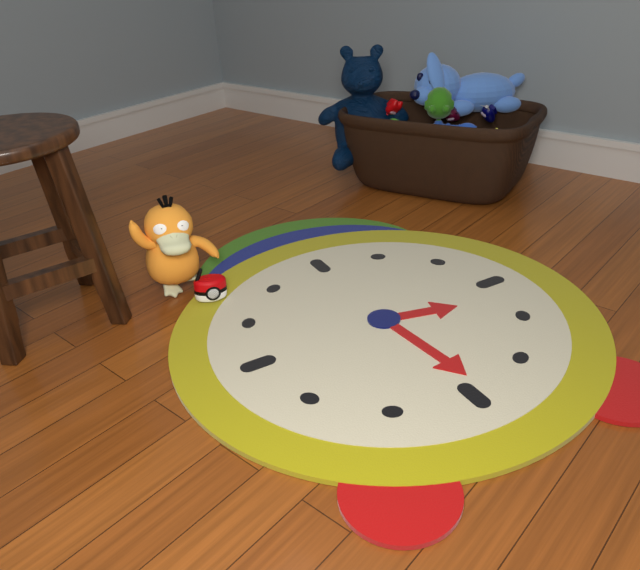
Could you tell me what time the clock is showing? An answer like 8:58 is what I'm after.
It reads 3:29
